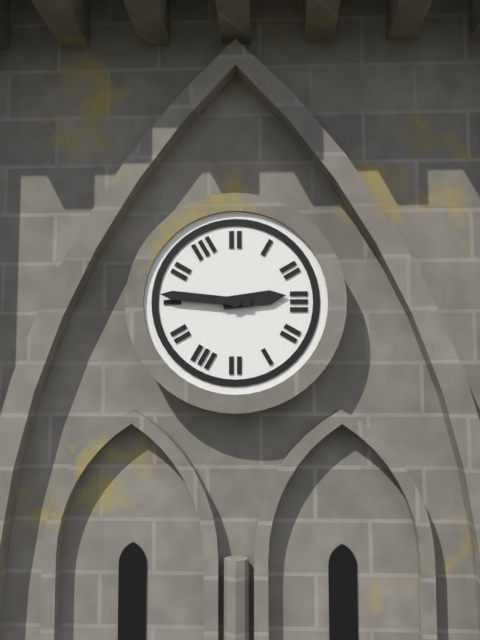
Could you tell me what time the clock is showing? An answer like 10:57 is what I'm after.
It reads 2:46
